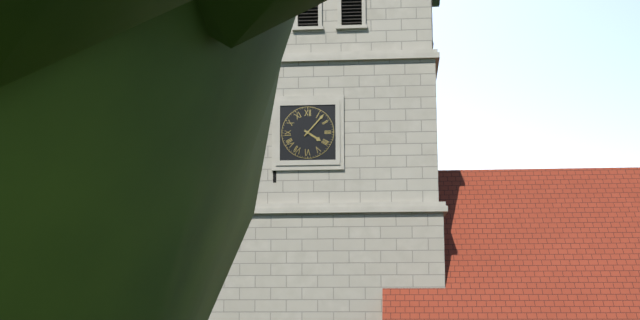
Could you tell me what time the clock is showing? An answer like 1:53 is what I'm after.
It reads 4:07
